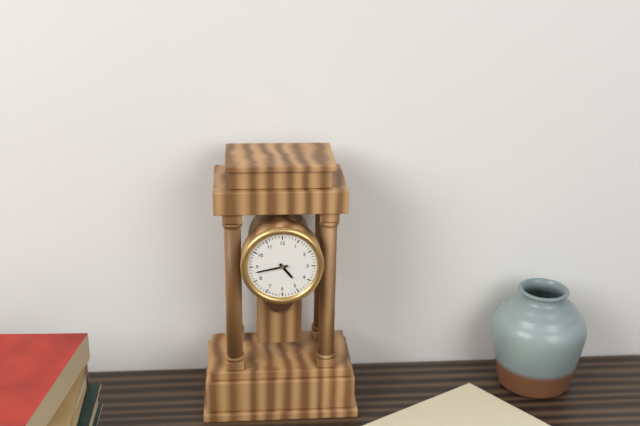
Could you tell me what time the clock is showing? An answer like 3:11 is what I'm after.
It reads 4:43
